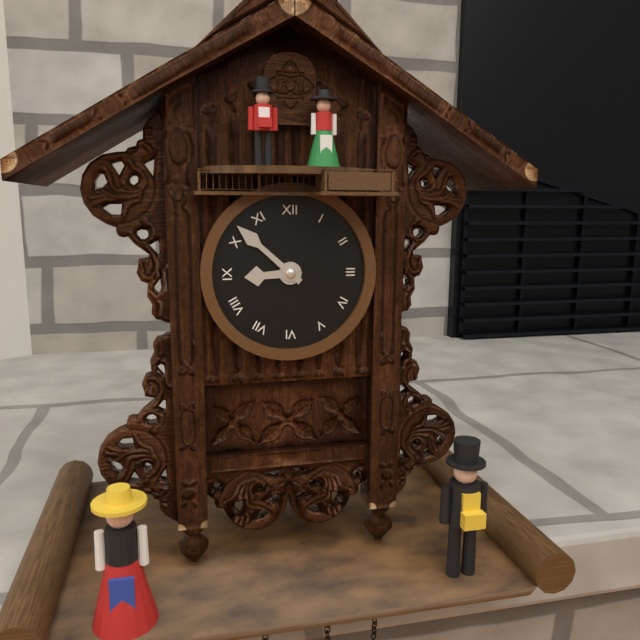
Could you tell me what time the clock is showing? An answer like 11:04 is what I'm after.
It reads 8:52
